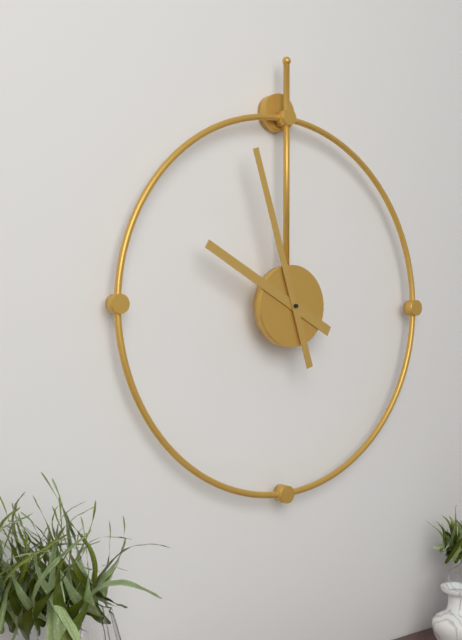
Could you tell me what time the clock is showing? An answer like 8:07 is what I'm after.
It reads 9:57
